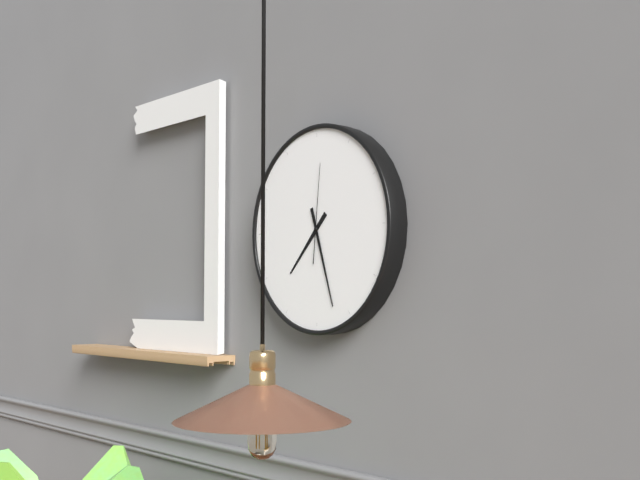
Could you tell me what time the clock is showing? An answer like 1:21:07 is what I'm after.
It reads 7:27:01
